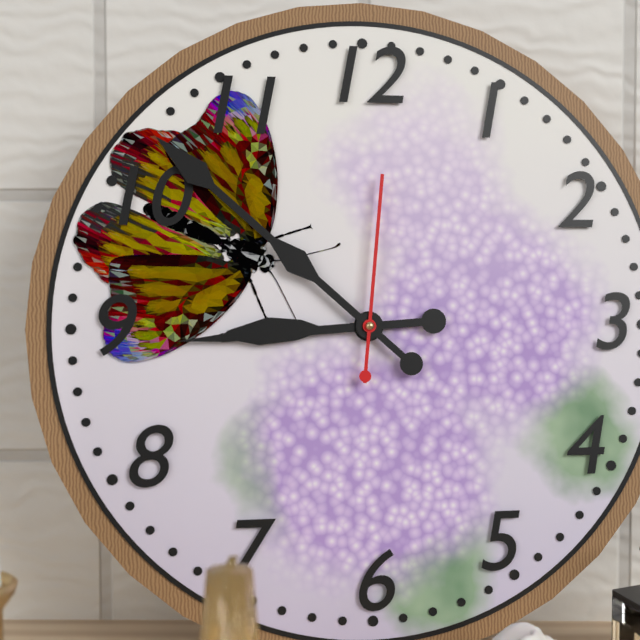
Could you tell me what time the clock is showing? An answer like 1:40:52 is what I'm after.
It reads 8:52:01
